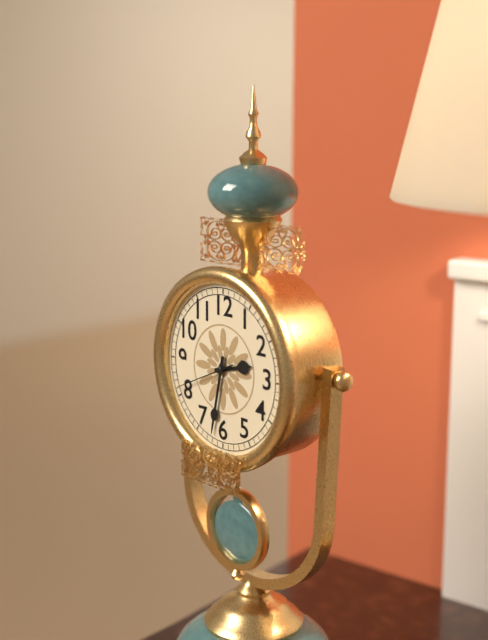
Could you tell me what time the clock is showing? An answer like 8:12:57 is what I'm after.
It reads 2:32:41
